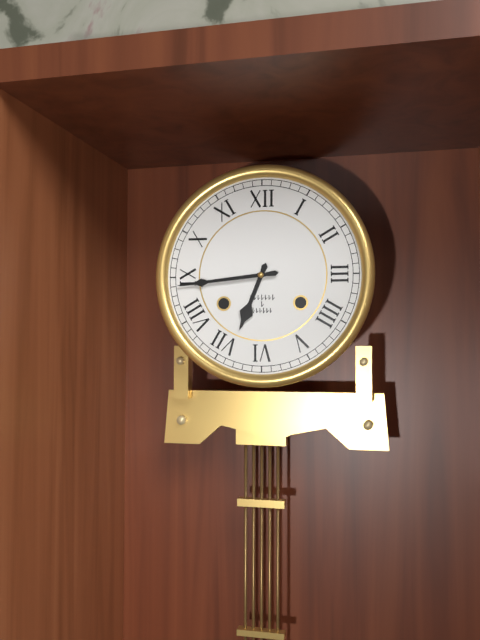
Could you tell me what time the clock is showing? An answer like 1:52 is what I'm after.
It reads 6:44
